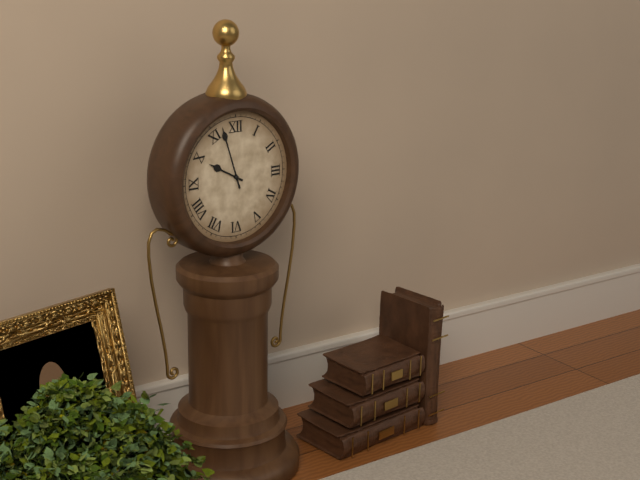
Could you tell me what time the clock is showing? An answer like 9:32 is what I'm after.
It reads 9:57
